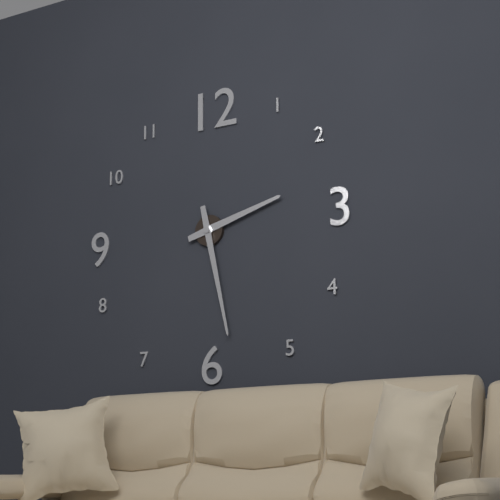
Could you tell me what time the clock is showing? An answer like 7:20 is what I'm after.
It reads 2:28
